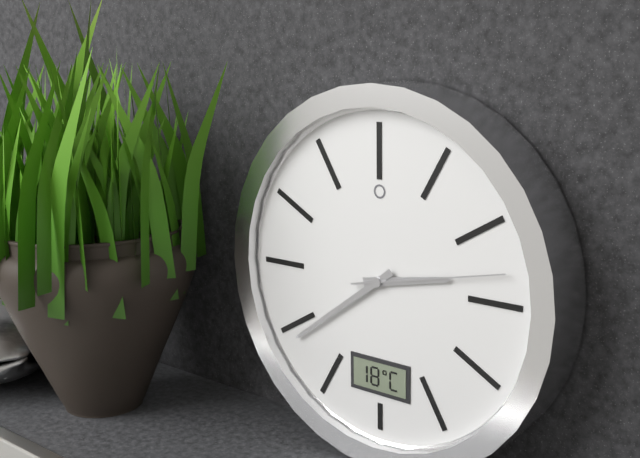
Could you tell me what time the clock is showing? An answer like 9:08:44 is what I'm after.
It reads 2:39:13
